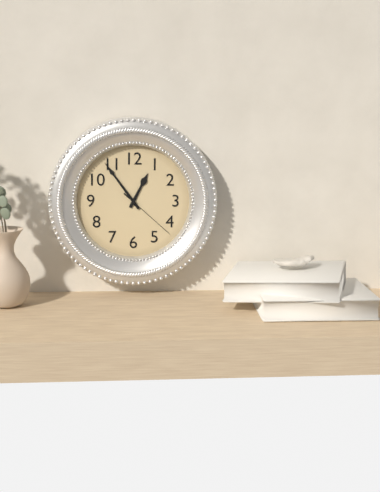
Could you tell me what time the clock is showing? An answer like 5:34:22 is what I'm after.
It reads 12:54:22
